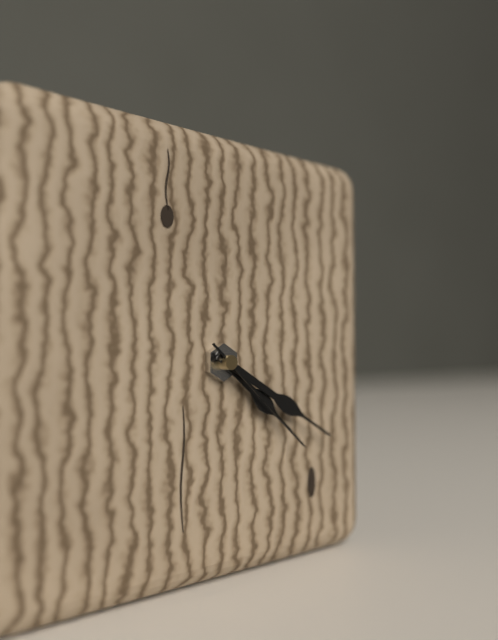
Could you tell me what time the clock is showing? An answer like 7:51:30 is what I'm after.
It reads 4:20:22
